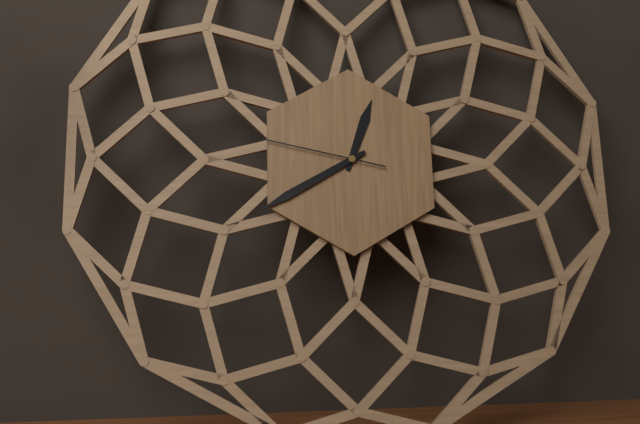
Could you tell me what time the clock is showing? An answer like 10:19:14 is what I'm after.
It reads 12:40:47
